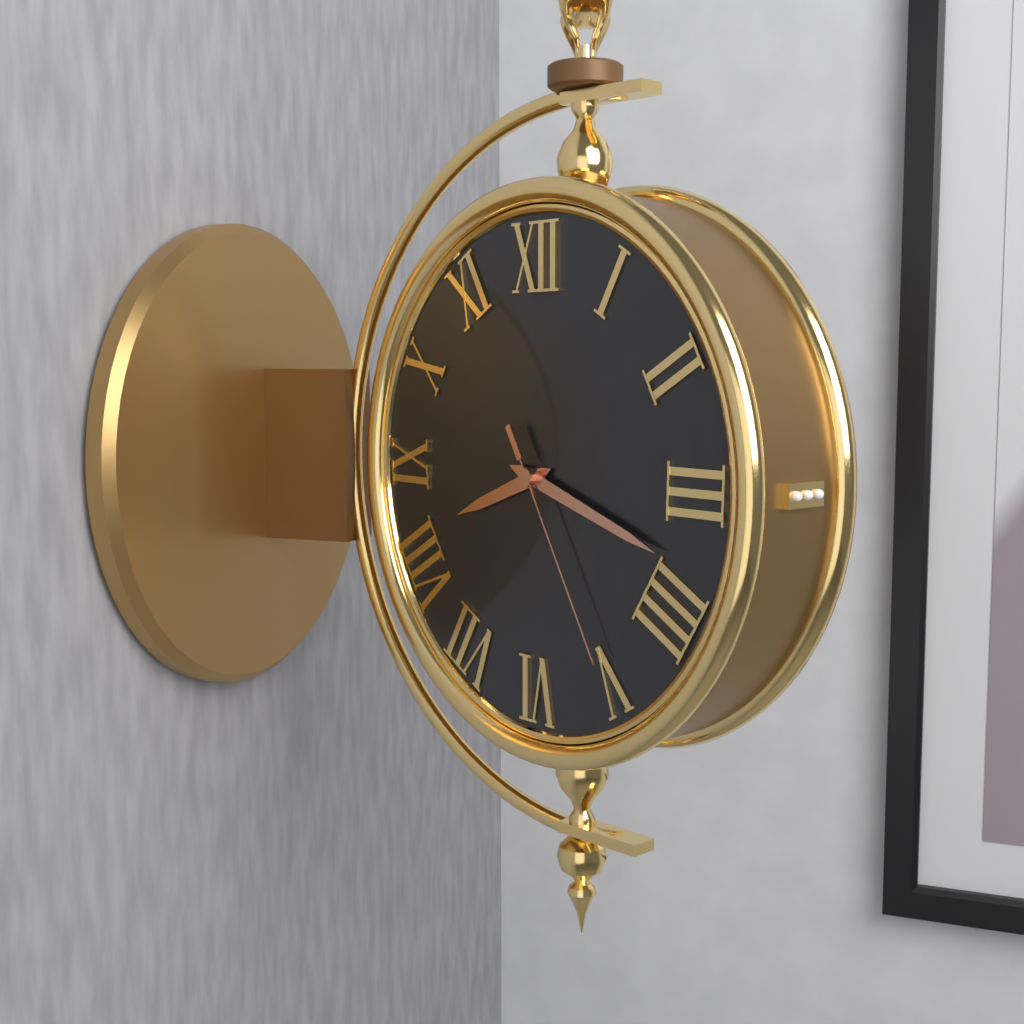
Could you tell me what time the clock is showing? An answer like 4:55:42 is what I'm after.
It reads 8:18:25
